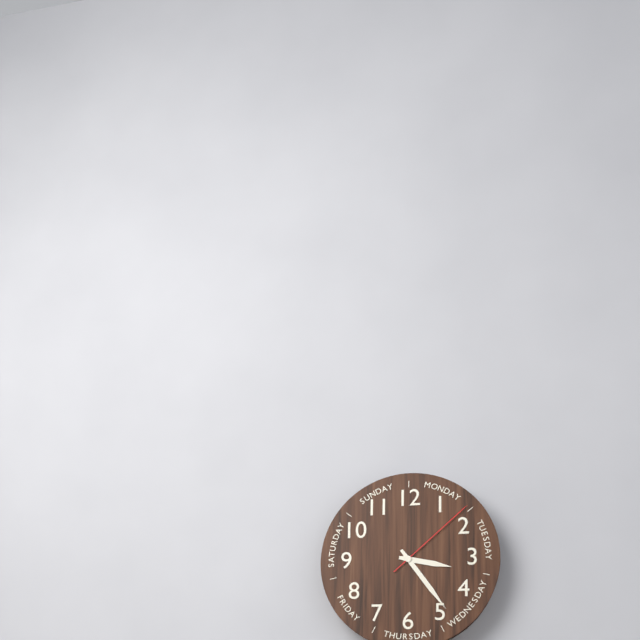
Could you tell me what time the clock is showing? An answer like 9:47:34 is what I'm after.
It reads 3:24:08
